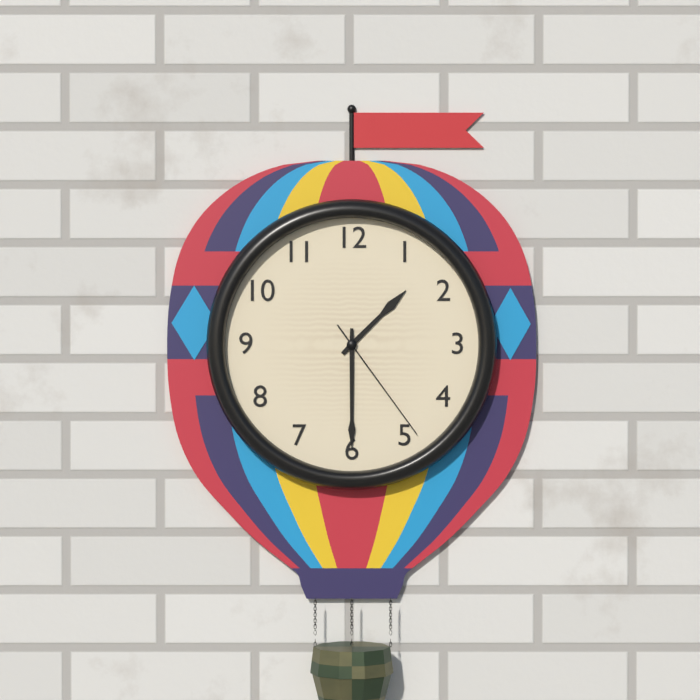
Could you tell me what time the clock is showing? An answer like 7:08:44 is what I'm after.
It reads 1:30:24
